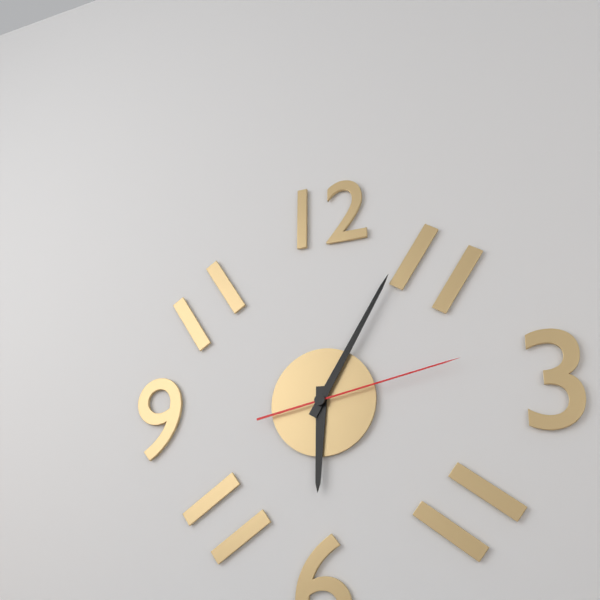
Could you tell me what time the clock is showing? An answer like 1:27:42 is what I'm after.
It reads 6:05:13
